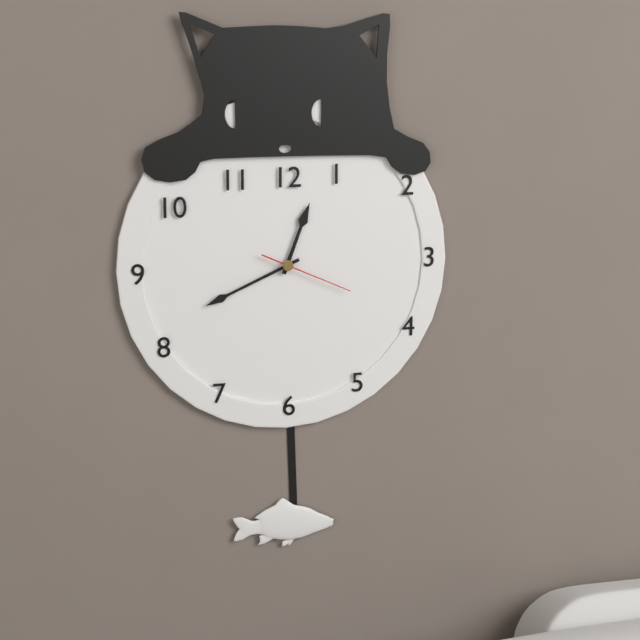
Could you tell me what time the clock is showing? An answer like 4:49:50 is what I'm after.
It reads 12:41:19
